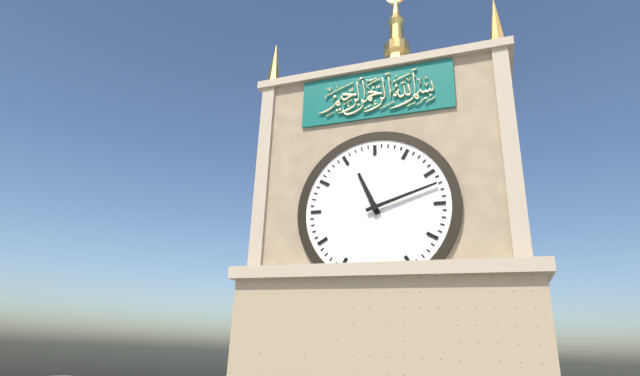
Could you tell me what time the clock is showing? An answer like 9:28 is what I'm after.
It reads 11:12
